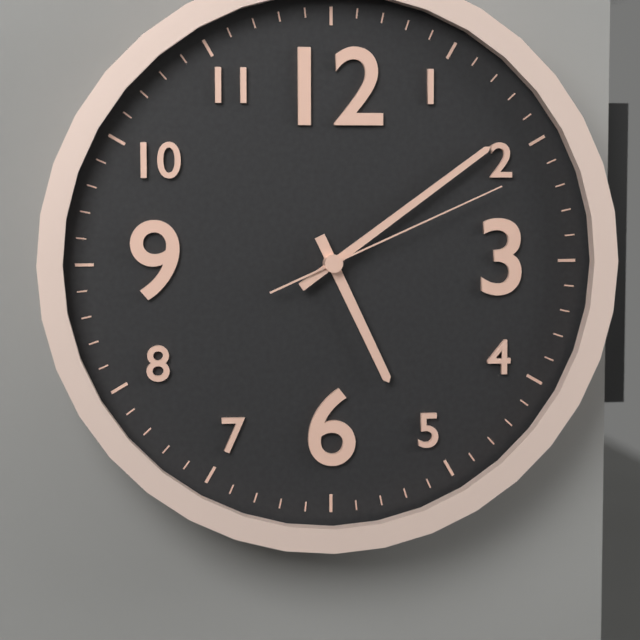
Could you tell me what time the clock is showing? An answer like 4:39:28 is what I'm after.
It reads 5:09:11
